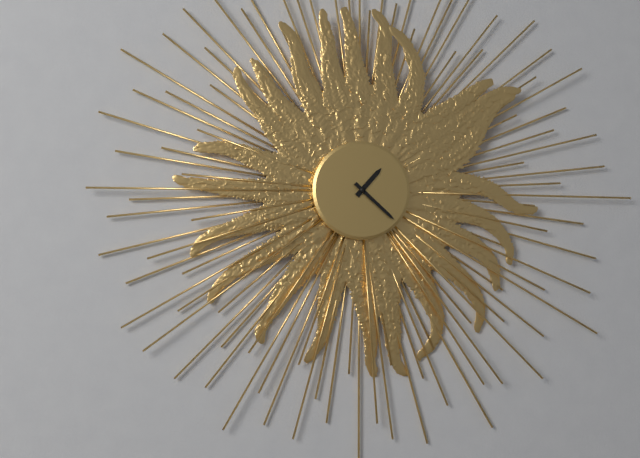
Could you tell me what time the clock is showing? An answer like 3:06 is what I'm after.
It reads 1:22
